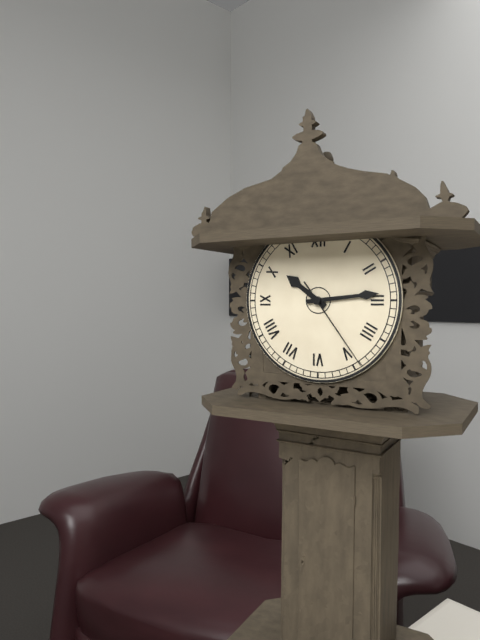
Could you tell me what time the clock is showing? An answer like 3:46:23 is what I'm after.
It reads 10:14:24
